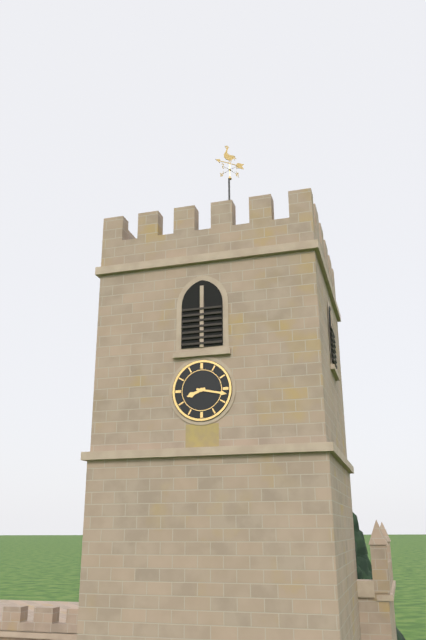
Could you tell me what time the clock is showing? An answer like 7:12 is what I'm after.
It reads 8:17
